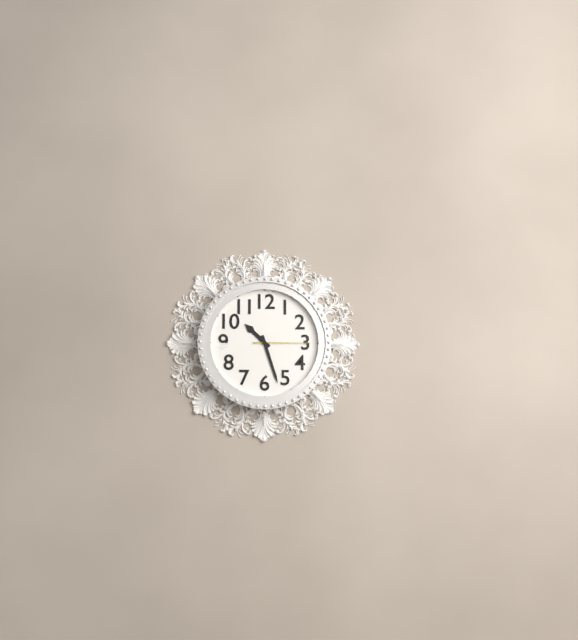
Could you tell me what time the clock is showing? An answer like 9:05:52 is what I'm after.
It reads 10:27:15
